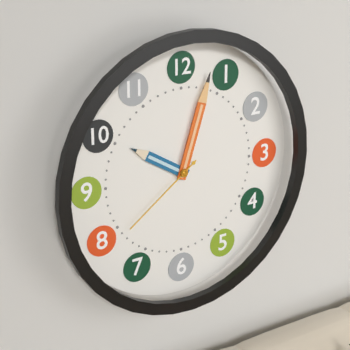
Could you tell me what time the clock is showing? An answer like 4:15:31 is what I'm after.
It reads 10:03:39
